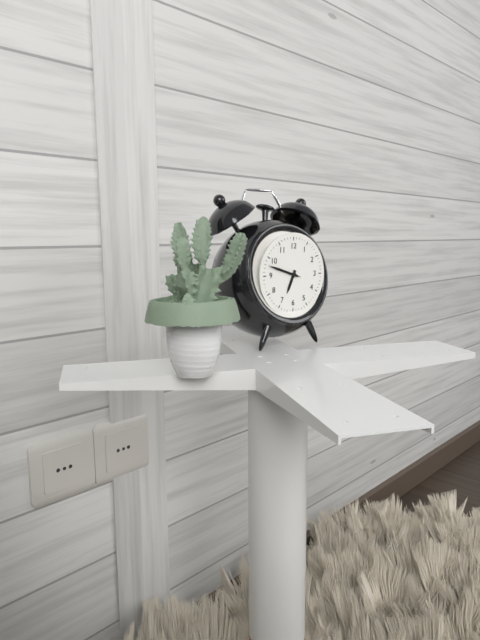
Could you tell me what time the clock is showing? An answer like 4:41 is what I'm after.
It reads 6:48
